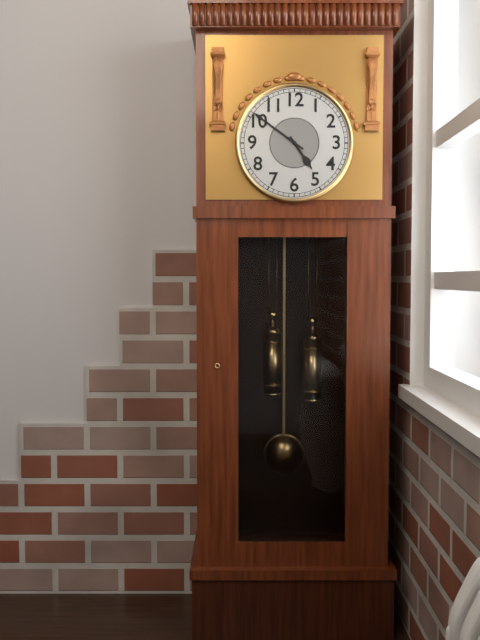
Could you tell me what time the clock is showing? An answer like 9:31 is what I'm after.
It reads 4:51
